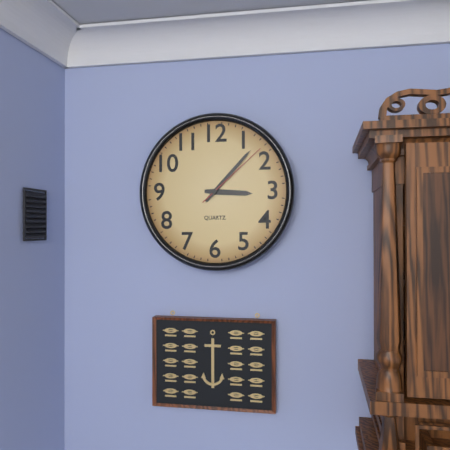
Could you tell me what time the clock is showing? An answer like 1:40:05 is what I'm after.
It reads 3:07:08
